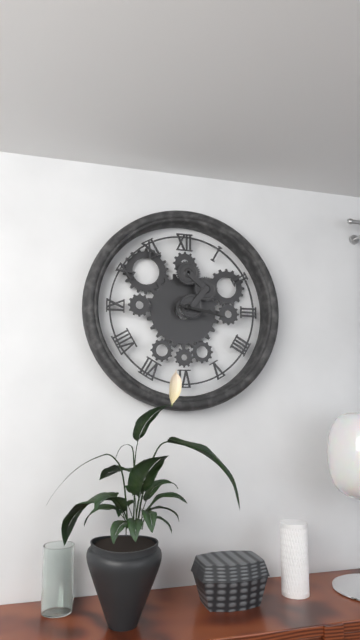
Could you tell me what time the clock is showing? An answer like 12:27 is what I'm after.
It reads 3:17
